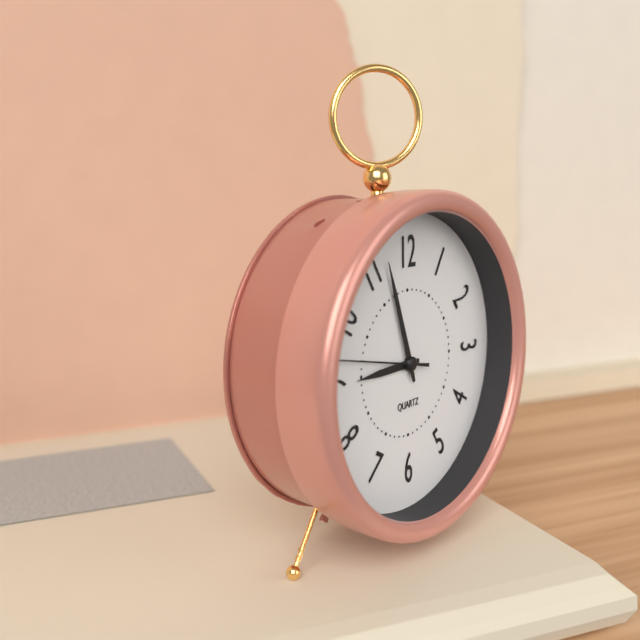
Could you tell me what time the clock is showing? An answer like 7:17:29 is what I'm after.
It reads 8:57:47
